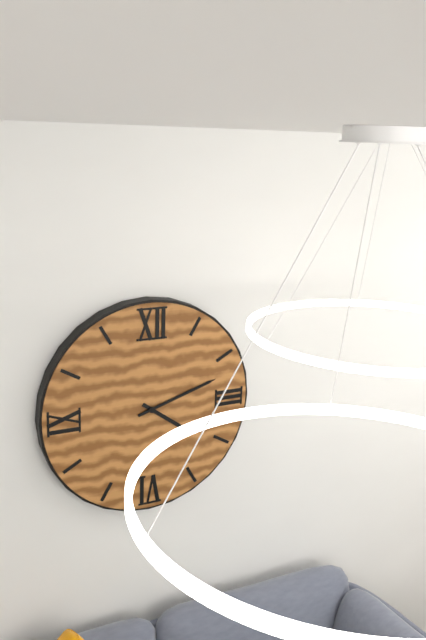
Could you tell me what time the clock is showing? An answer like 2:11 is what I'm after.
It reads 4:12
